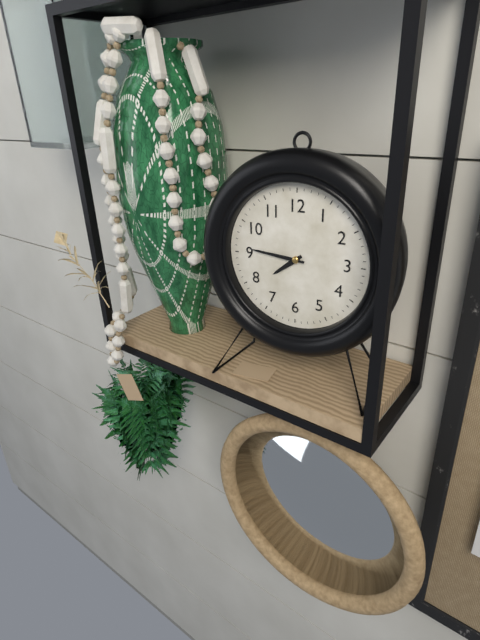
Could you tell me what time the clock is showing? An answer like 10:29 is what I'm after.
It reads 7:46
